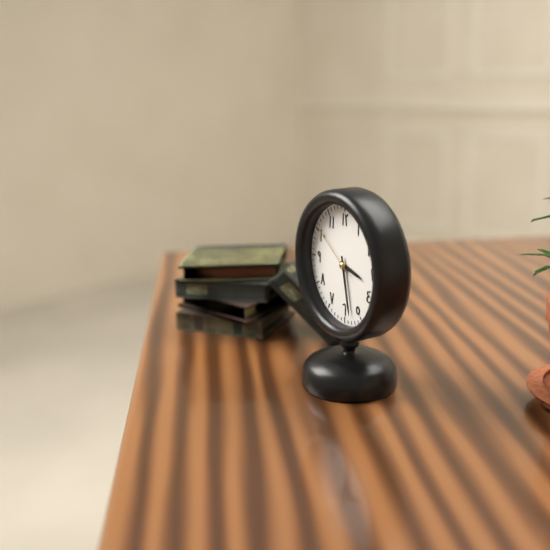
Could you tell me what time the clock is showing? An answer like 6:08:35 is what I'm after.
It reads 3:28:51
